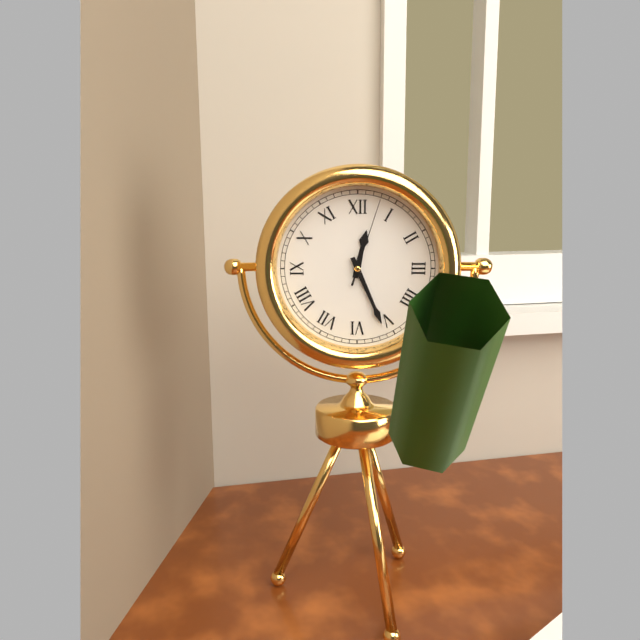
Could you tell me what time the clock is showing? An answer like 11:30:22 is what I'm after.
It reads 12:26:03
